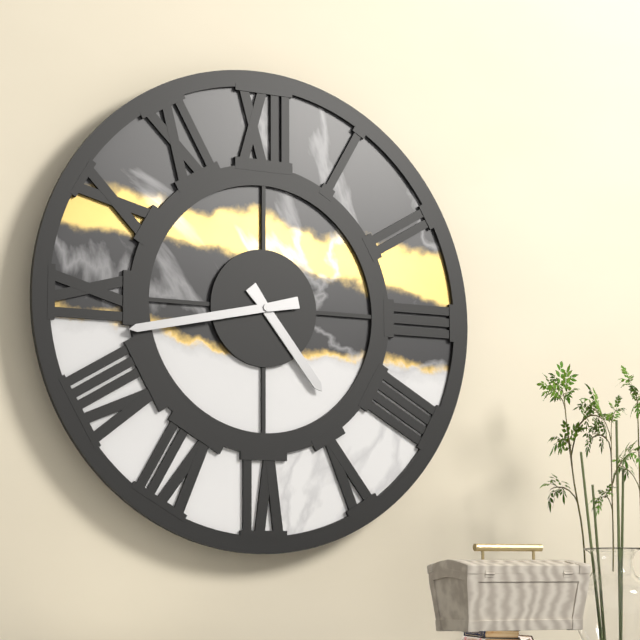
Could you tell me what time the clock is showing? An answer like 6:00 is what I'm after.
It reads 4:43
